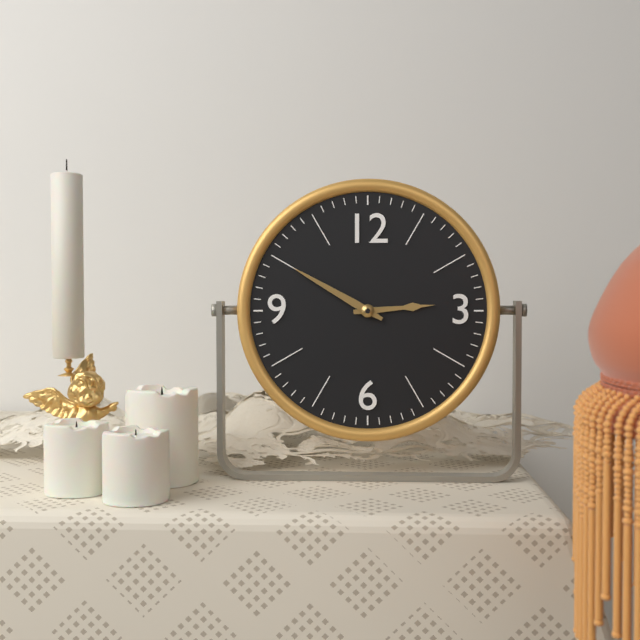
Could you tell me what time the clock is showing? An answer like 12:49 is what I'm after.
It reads 2:50
